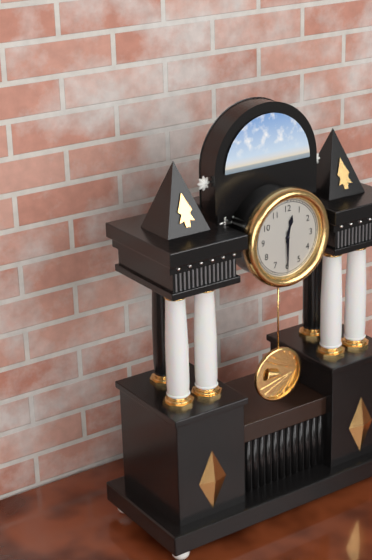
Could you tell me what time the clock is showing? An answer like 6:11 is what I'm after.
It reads 12:30
